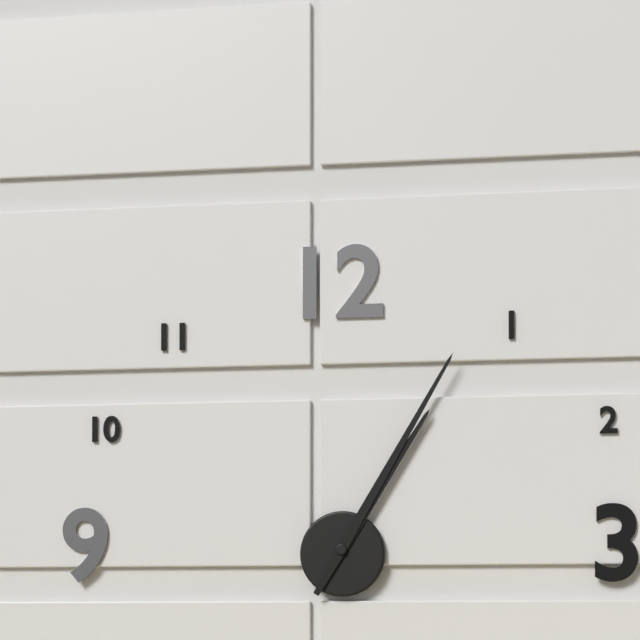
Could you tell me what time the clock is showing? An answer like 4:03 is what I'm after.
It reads 1:05
